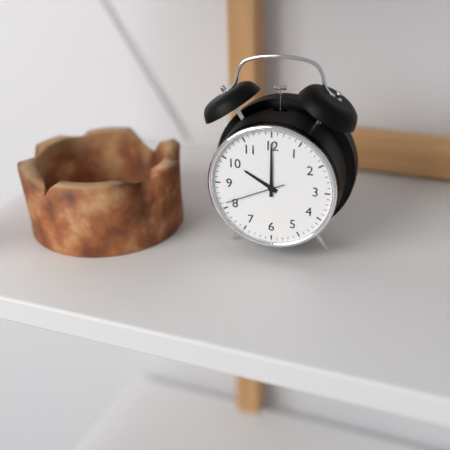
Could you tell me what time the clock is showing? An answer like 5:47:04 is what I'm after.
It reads 10:00:41
